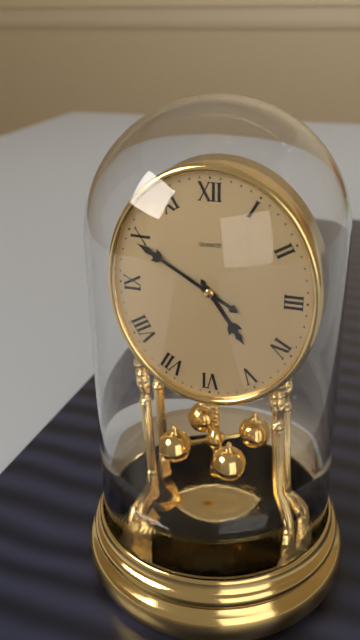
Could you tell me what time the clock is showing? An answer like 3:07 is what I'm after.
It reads 4:50
